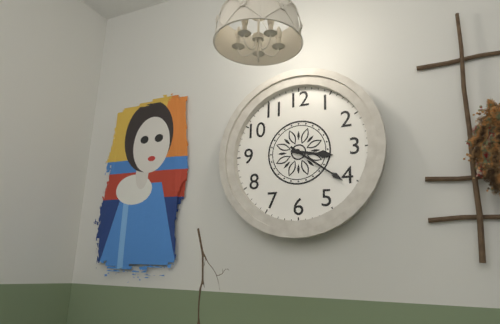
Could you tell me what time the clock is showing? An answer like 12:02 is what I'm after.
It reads 3:21
